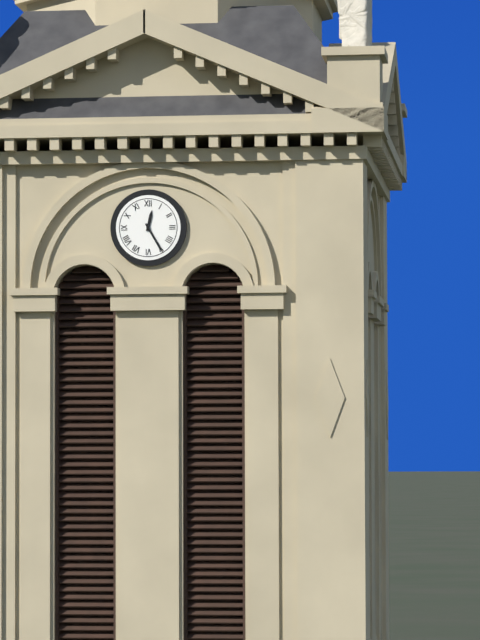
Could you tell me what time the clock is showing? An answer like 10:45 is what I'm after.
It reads 12:25
